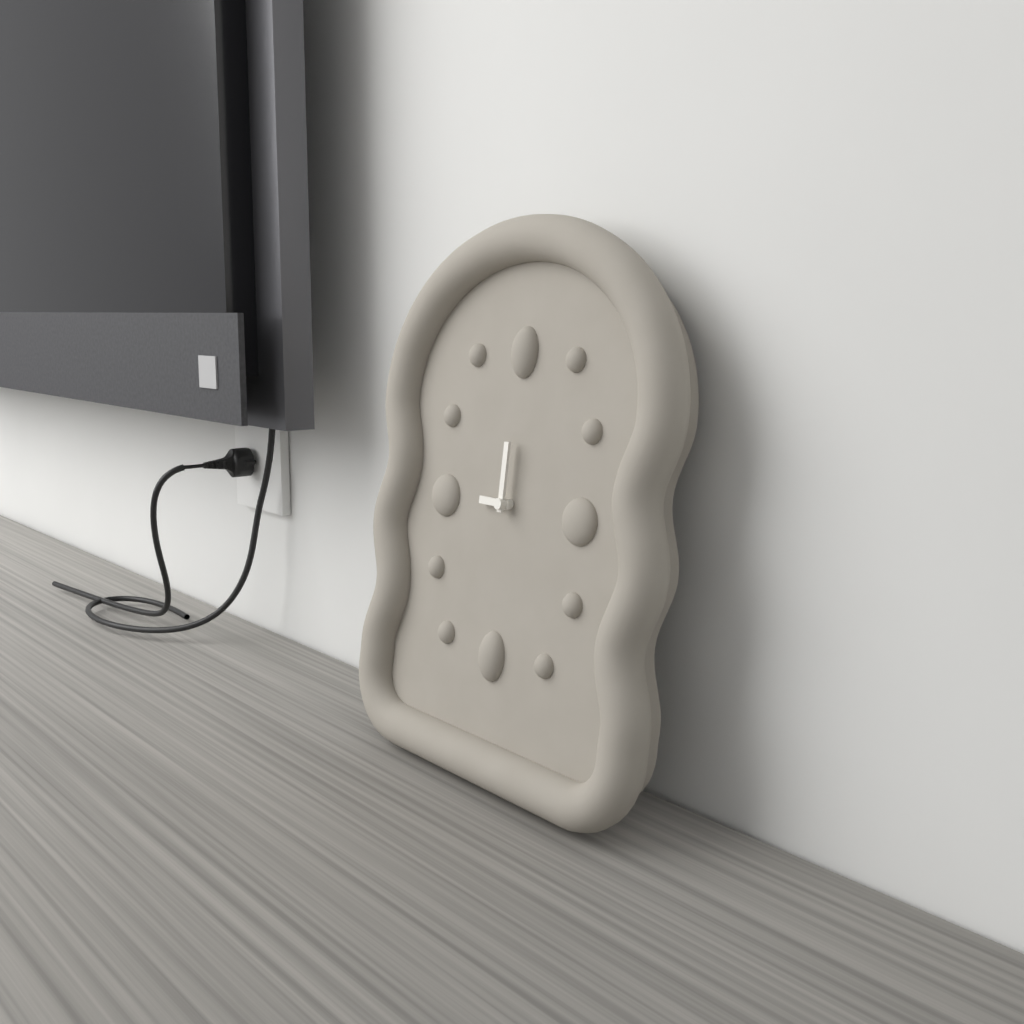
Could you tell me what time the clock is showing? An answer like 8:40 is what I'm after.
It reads 9:00
